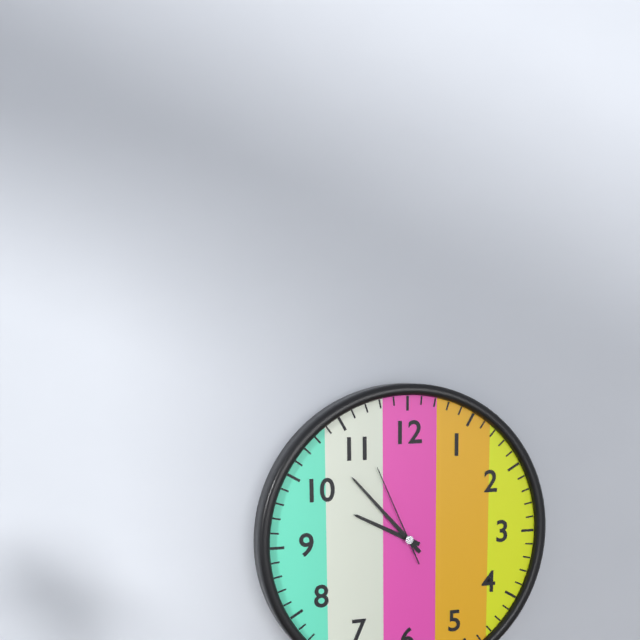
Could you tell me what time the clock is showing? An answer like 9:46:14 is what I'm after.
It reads 9:53:56
